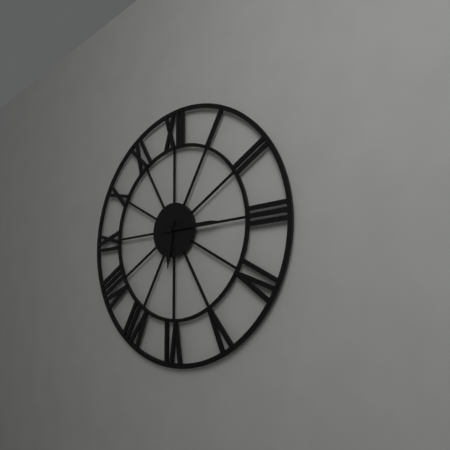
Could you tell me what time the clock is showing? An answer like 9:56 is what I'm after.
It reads 6:15
